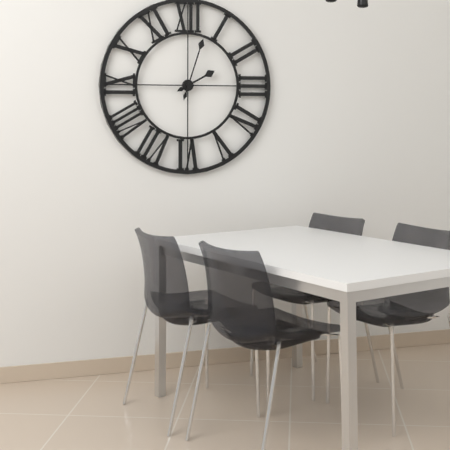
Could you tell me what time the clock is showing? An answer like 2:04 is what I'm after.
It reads 2:03
